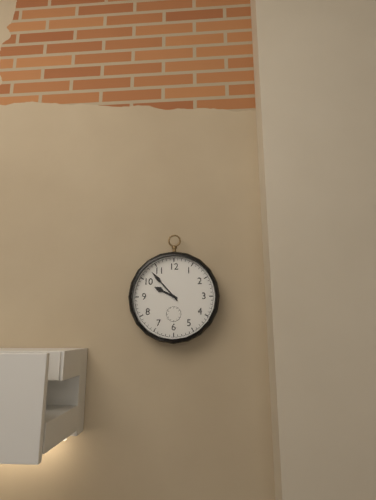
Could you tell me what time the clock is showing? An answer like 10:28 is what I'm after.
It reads 9:53
